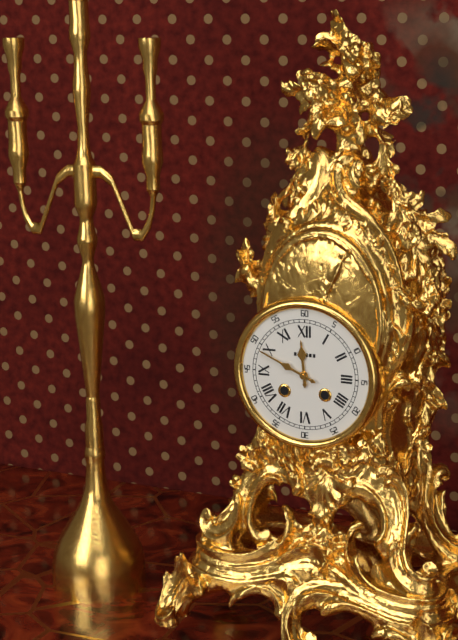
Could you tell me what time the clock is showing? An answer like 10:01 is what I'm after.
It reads 11:49
